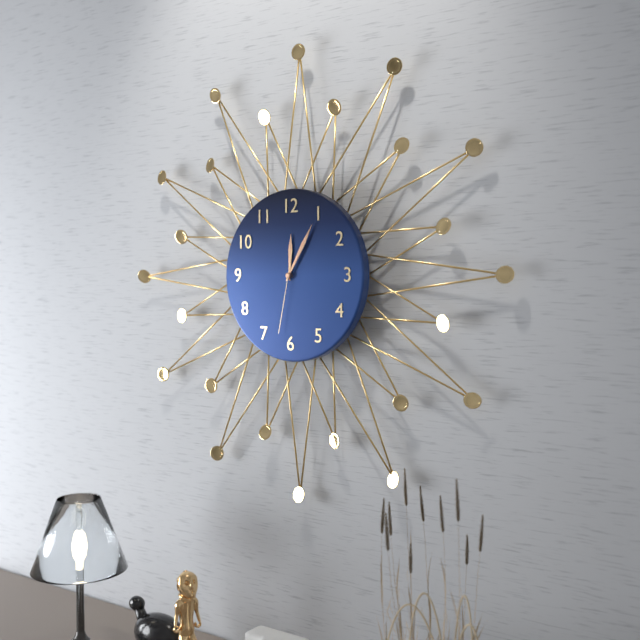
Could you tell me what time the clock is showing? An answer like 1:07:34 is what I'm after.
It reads 12:05:32
